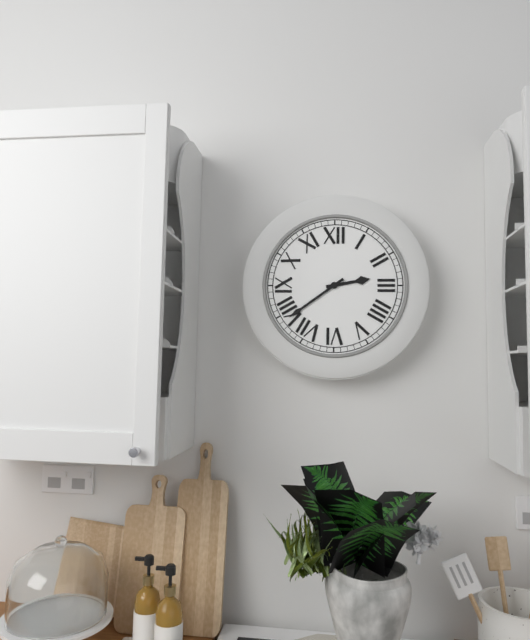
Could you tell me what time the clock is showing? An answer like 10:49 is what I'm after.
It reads 2:39
